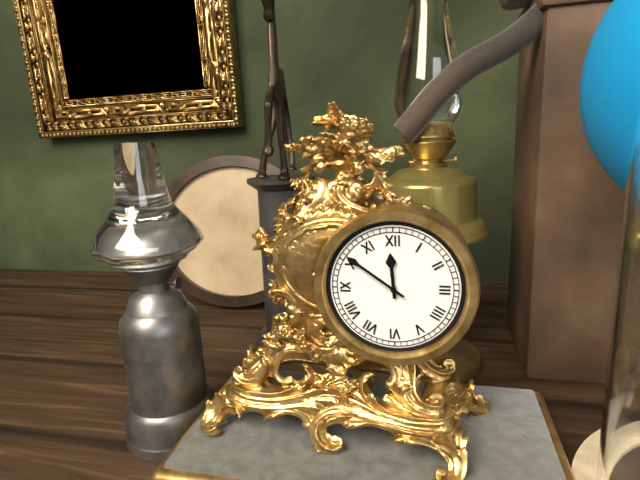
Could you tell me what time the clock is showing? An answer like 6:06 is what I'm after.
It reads 11:51
